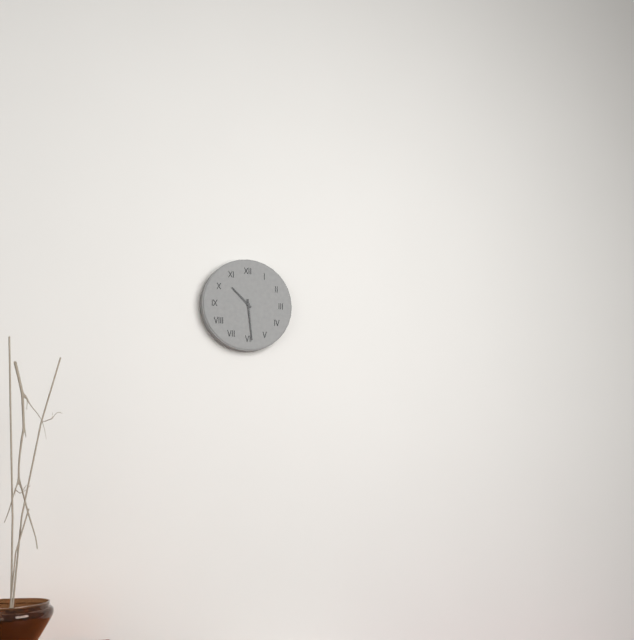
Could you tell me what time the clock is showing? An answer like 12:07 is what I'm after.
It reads 10:29
